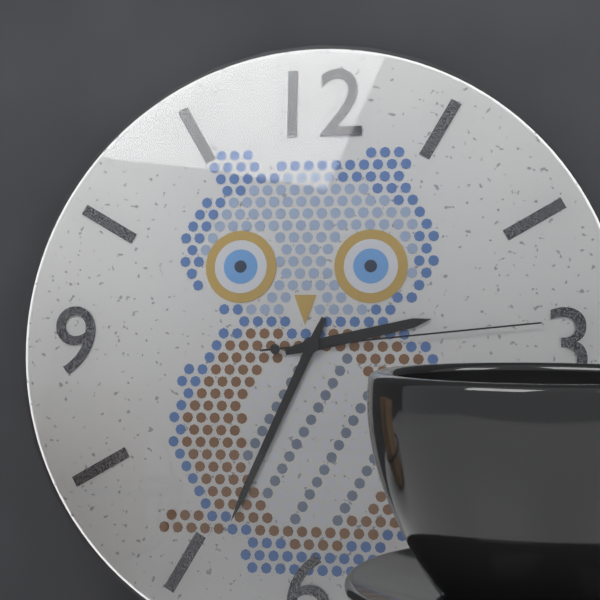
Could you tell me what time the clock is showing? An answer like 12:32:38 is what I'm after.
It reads 2:34:14
